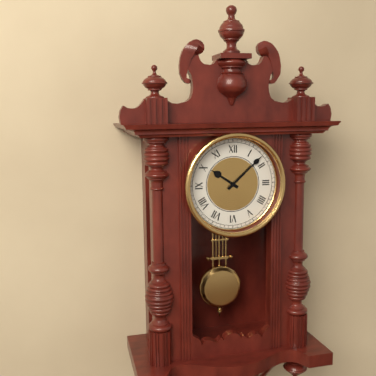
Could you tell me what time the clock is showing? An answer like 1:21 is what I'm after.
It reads 10:08
